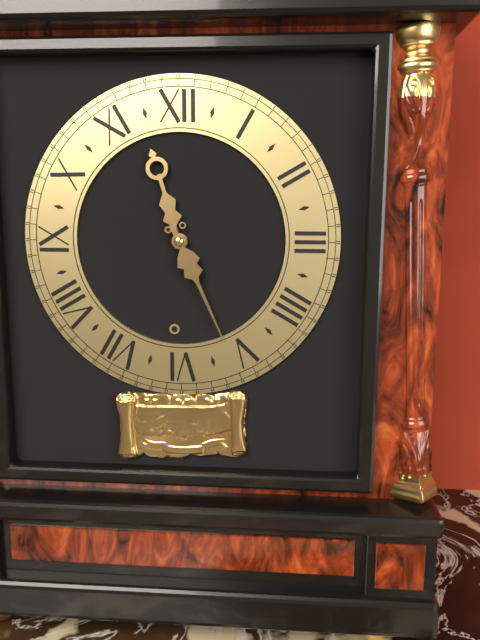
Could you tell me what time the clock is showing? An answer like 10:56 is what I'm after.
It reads 11:26
